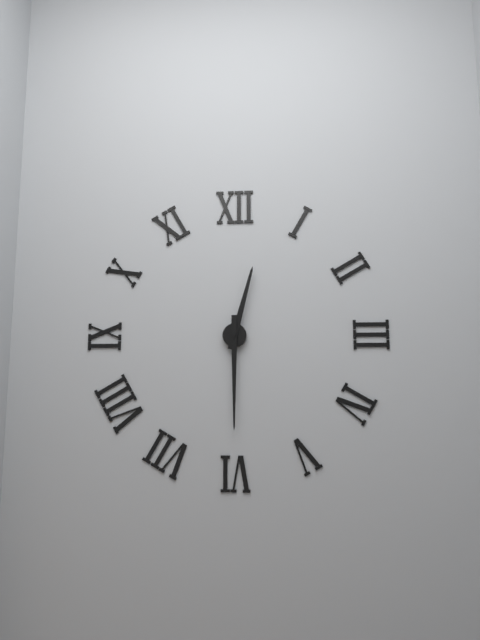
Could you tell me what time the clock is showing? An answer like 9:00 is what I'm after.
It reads 12:30
